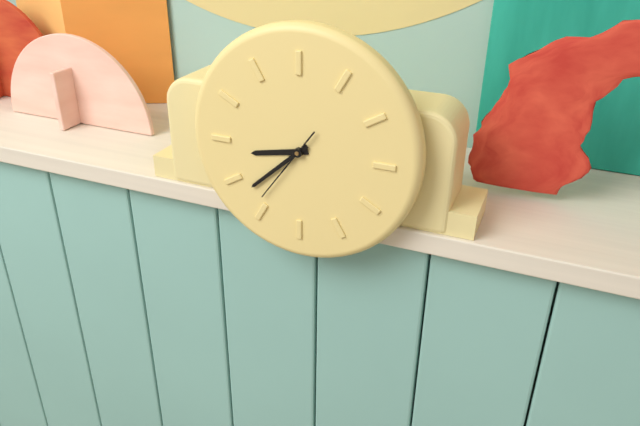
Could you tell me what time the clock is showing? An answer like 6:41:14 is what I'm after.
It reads 8:38:36
